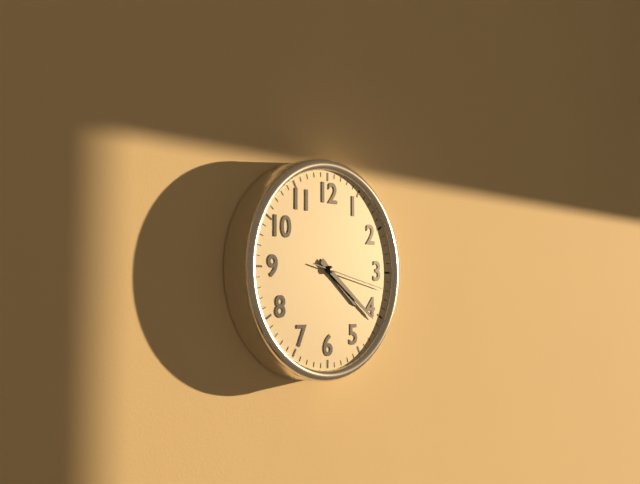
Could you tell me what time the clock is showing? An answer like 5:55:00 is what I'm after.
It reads 4:21:17
